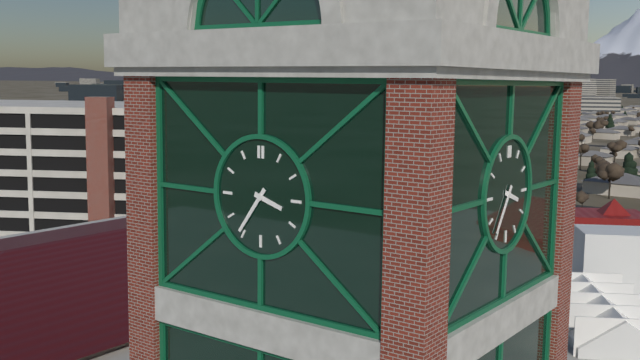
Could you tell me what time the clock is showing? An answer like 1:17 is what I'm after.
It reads 3:36
